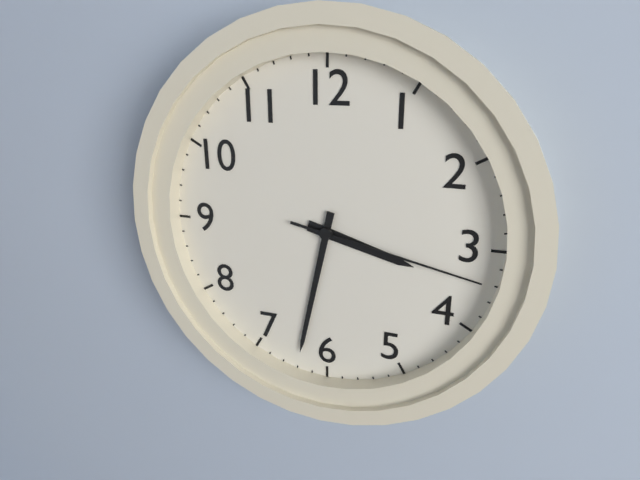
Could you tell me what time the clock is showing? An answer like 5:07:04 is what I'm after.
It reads 3:32:17
